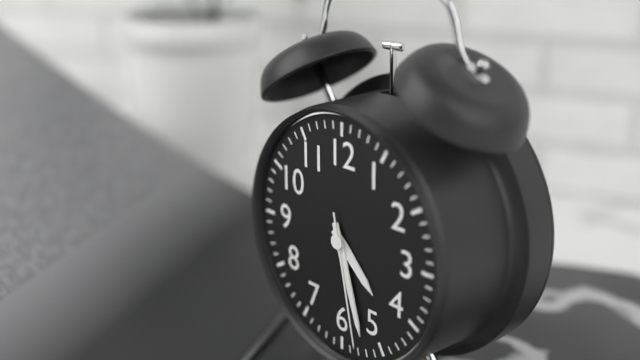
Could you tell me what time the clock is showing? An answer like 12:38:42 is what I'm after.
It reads 4:27:28
